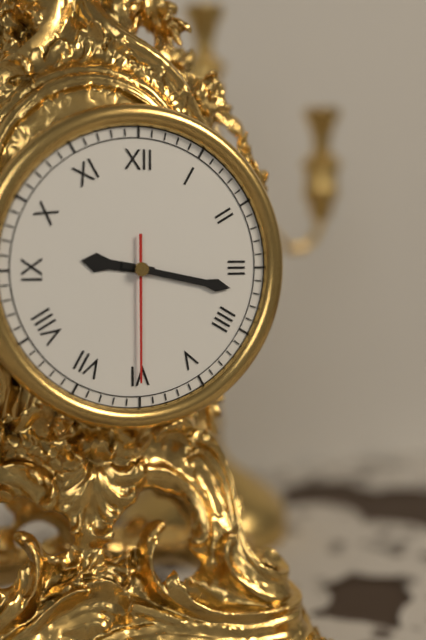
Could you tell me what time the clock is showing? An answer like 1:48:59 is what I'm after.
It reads 9:17:30
